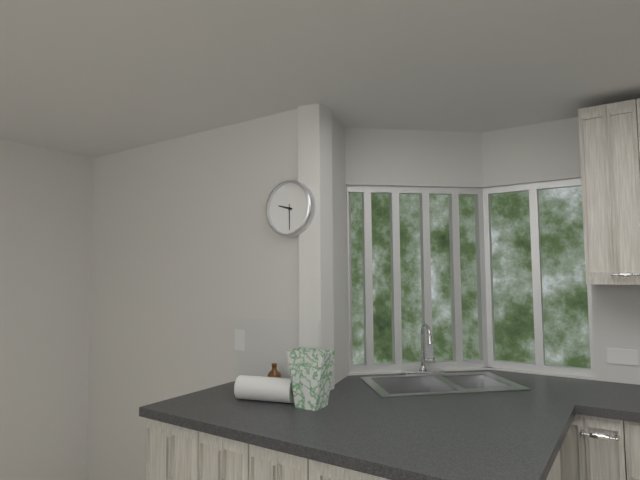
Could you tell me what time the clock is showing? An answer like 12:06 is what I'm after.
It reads 9:30
